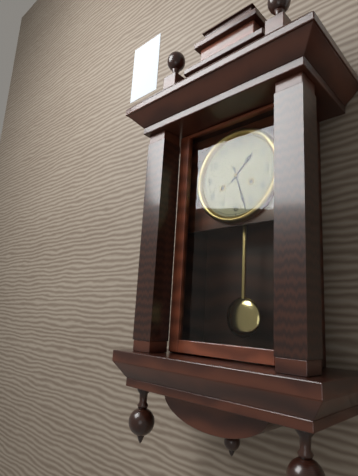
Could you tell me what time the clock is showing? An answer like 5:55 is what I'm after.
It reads 1:27
